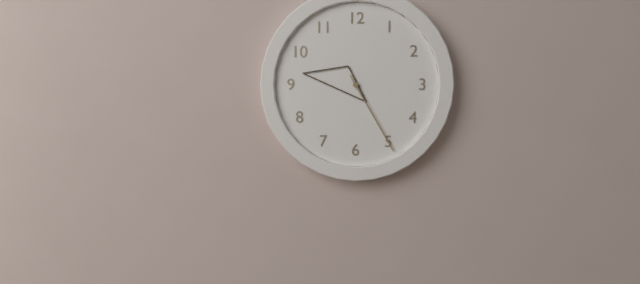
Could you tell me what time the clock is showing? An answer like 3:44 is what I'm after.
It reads 9:25
